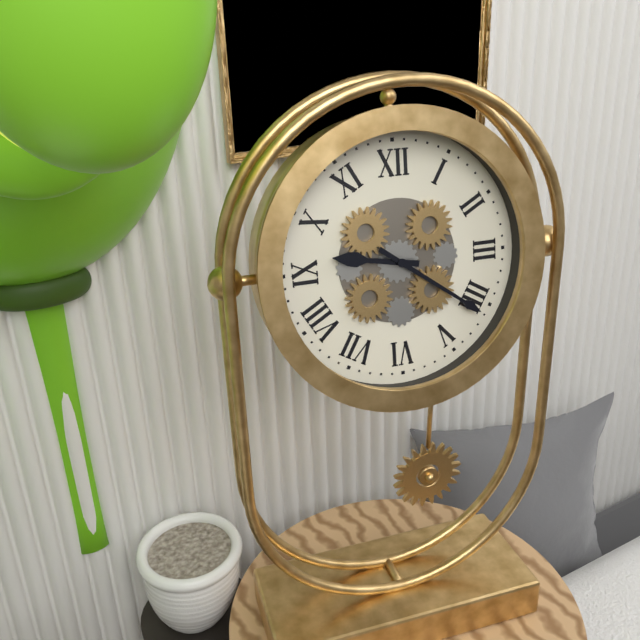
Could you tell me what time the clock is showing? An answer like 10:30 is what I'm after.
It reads 9:21
